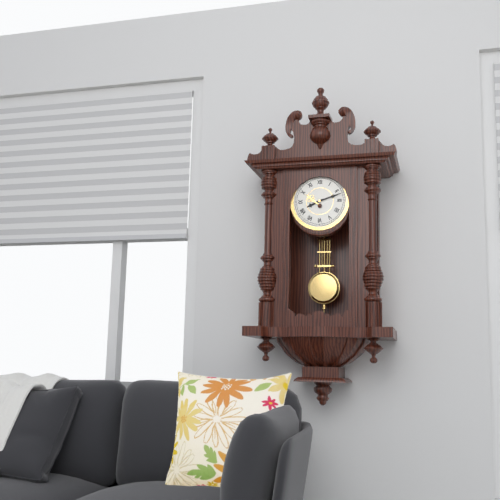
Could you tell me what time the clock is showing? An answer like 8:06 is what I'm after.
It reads 8:12
